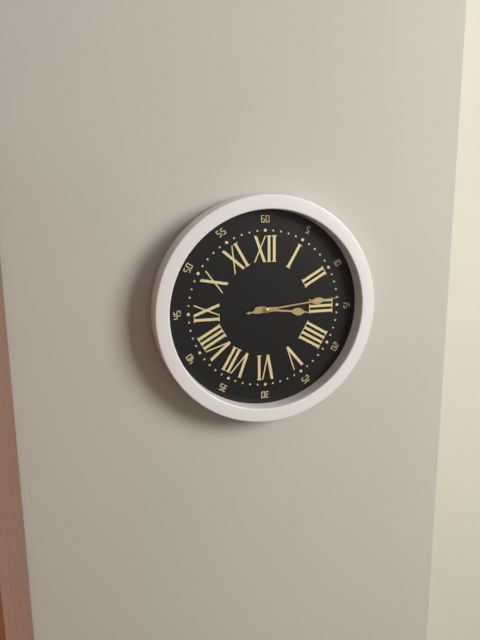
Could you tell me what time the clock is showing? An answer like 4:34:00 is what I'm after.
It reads 3:14:14
